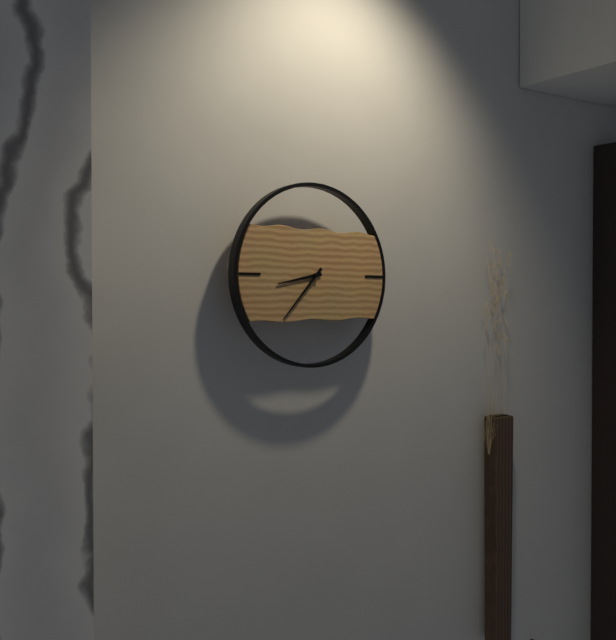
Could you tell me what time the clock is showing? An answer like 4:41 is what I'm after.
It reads 8:37
